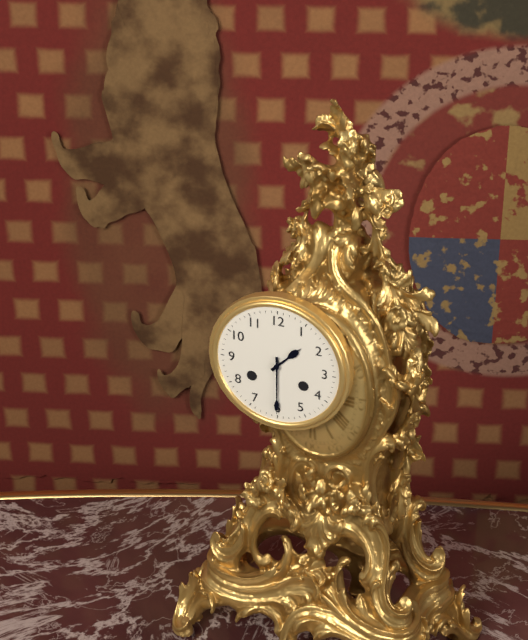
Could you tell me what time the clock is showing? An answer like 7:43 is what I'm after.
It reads 1:30
